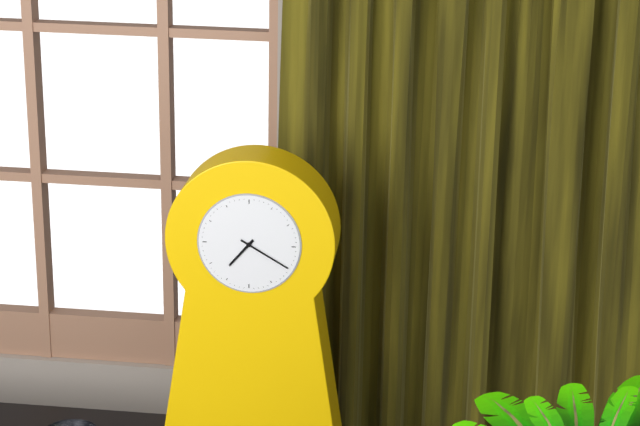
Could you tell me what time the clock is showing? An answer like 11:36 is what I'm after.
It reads 7:20
